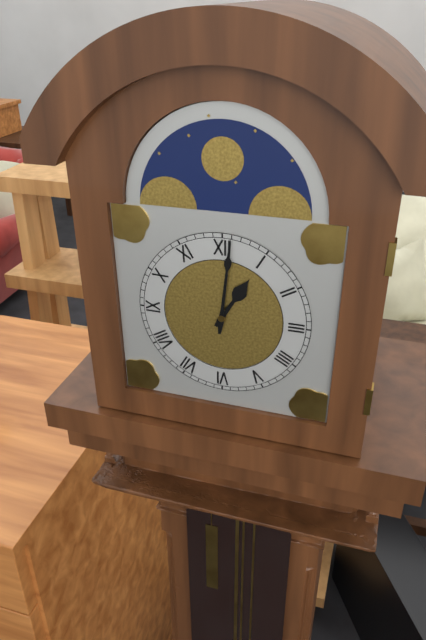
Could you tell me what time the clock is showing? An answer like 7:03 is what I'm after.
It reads 1:01
